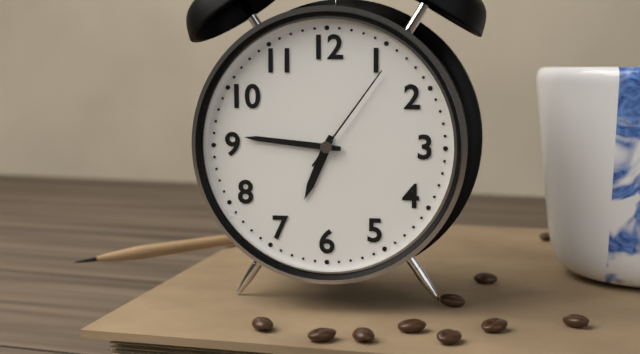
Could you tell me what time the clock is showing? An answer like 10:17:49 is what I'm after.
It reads 6:46:06
